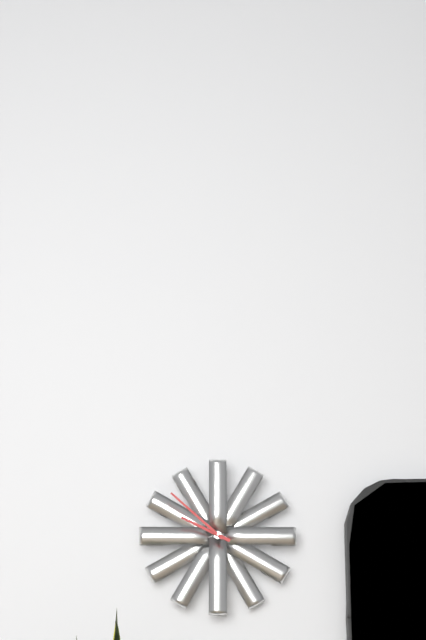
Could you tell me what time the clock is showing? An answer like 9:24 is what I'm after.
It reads 9:52
